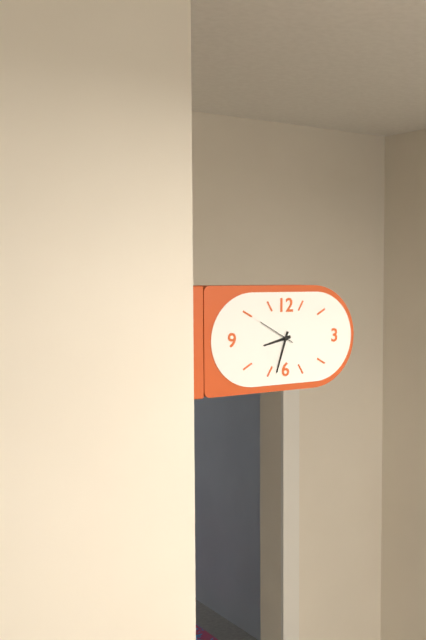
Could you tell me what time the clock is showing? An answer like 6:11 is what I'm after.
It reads 8:33
